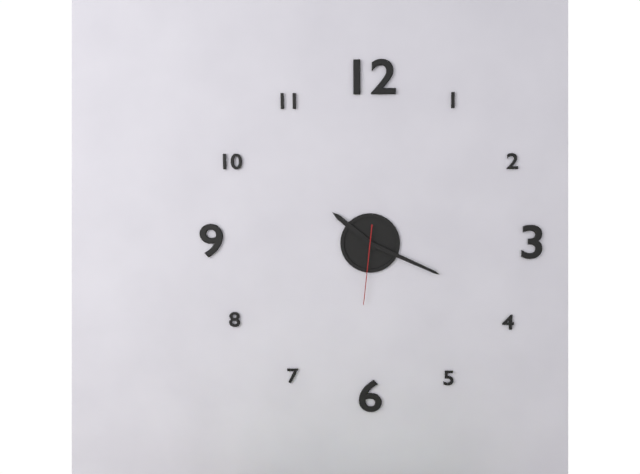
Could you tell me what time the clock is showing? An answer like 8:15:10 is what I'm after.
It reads 10:19:31
